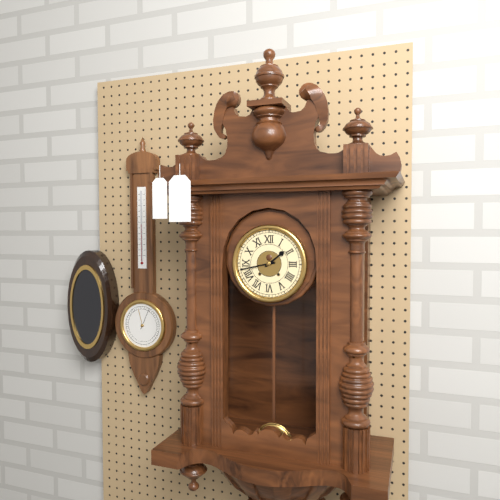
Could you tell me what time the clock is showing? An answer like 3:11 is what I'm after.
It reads 1:43
